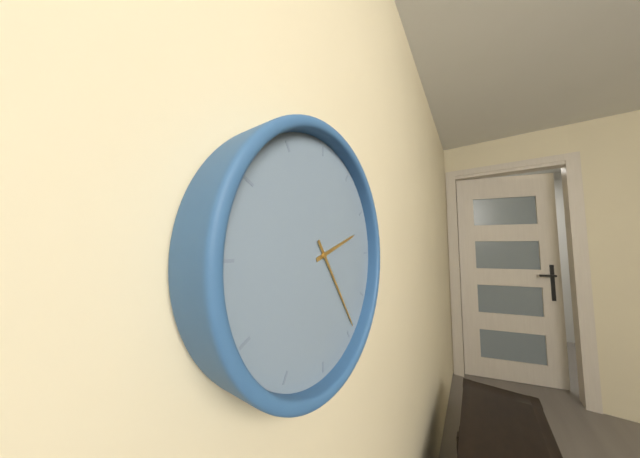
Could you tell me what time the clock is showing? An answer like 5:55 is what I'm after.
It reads 2:24
